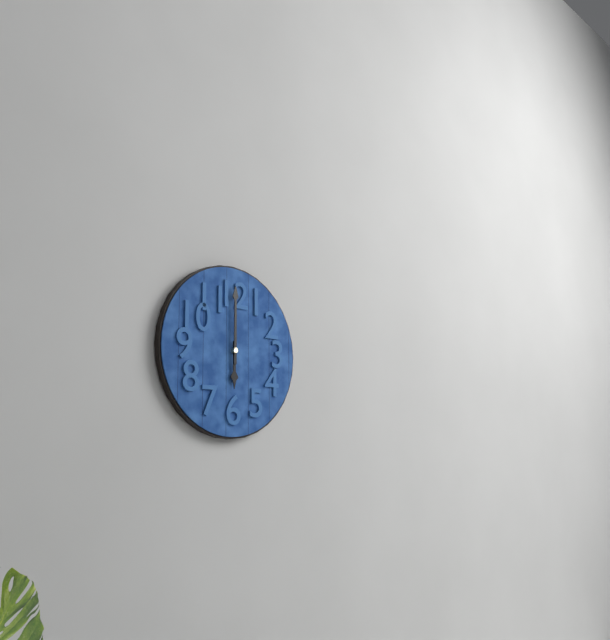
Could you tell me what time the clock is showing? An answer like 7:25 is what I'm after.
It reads 6:00
